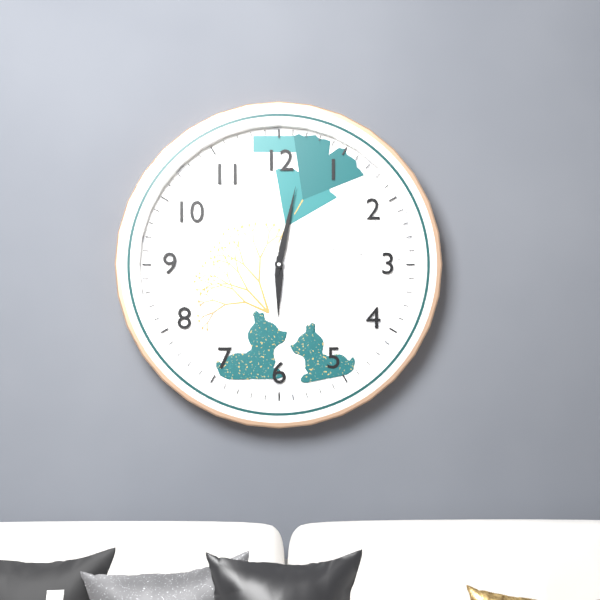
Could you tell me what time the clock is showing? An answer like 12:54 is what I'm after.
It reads 6:02
